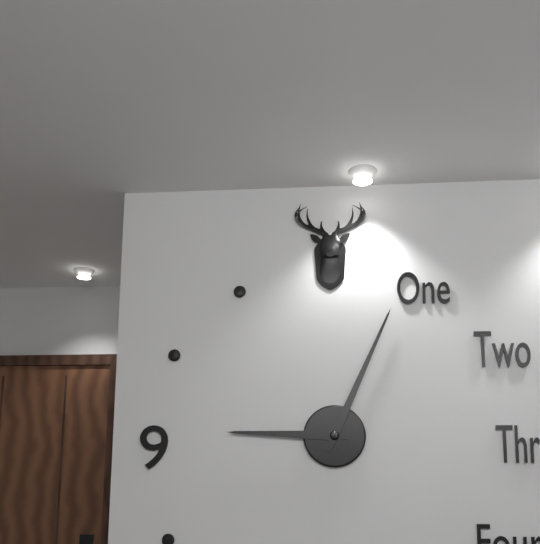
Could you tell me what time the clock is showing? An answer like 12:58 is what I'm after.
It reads 9:04
